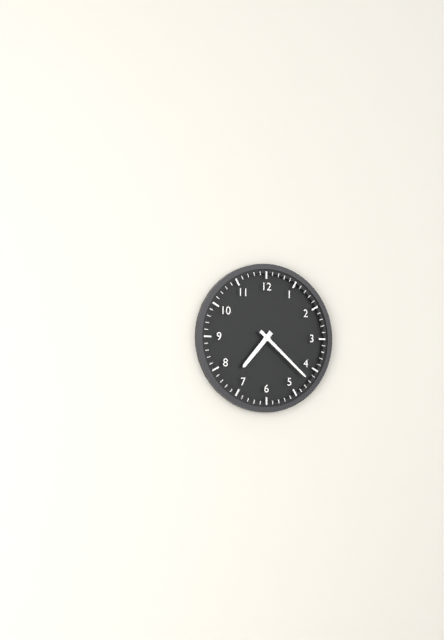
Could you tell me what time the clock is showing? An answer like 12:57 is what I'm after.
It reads 7:22
